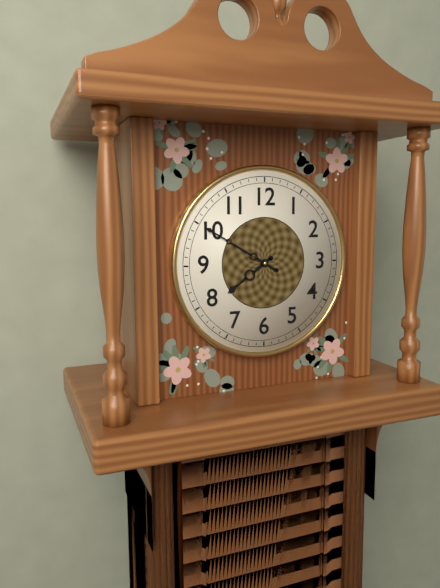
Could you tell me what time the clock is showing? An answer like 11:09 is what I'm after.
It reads 7:50
